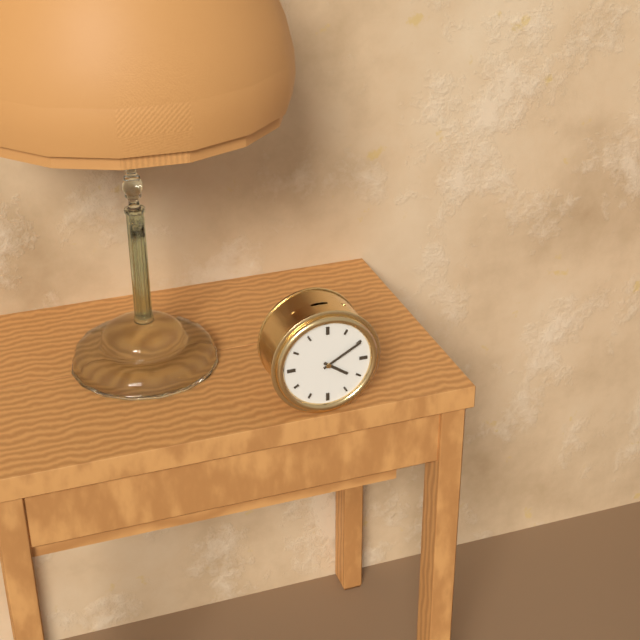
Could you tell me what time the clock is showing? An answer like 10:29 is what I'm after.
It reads 4:10
